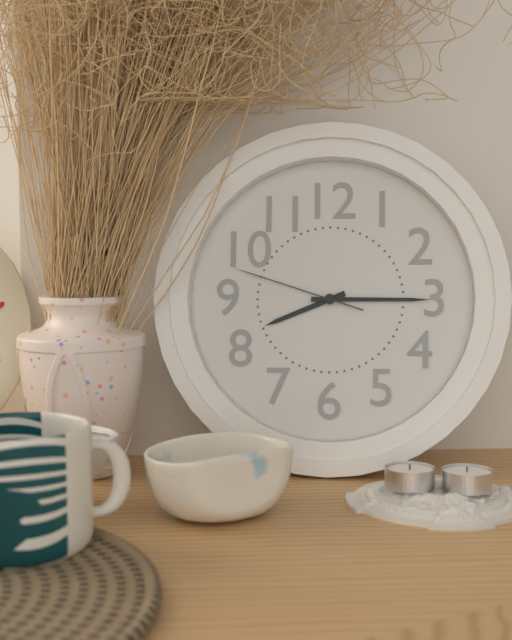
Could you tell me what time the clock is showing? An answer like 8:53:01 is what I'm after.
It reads 8:15:48
